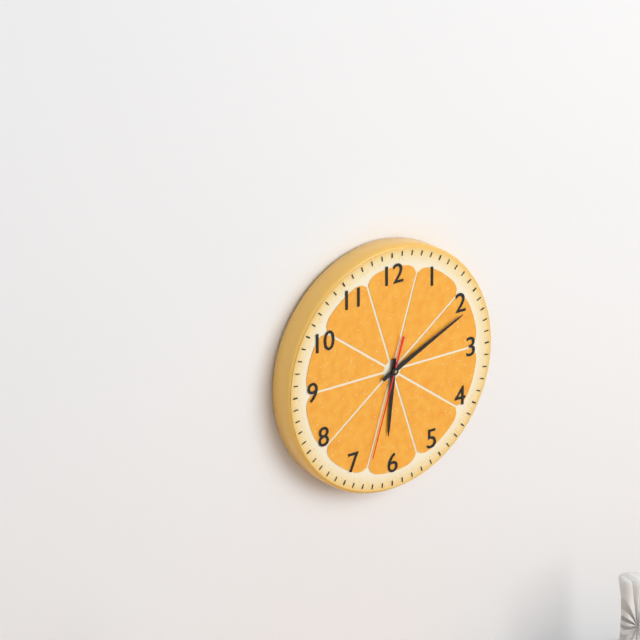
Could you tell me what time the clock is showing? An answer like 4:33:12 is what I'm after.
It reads 6:11:33
